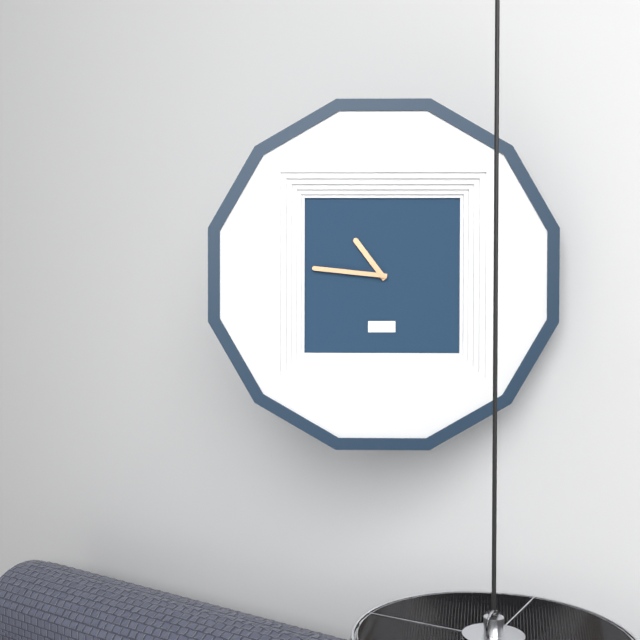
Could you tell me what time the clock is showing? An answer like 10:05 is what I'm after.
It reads 10:46
